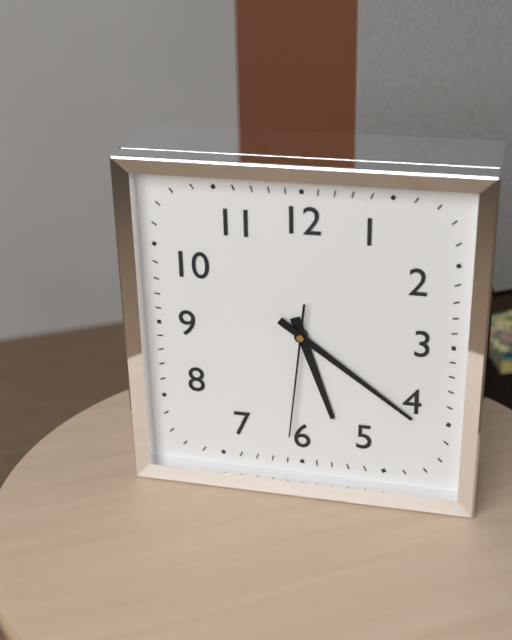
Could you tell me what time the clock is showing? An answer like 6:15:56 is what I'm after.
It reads 5:21:31
